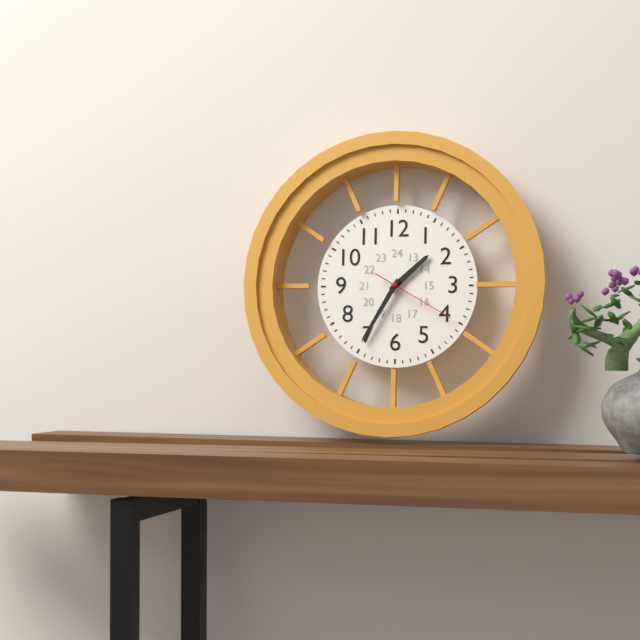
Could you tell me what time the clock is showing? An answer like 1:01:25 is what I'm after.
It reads 1:35:20
